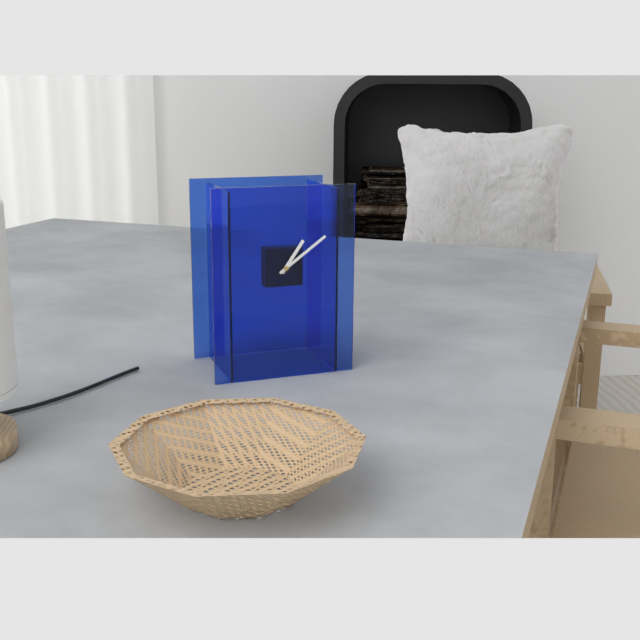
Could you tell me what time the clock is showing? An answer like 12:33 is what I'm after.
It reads 1:09
